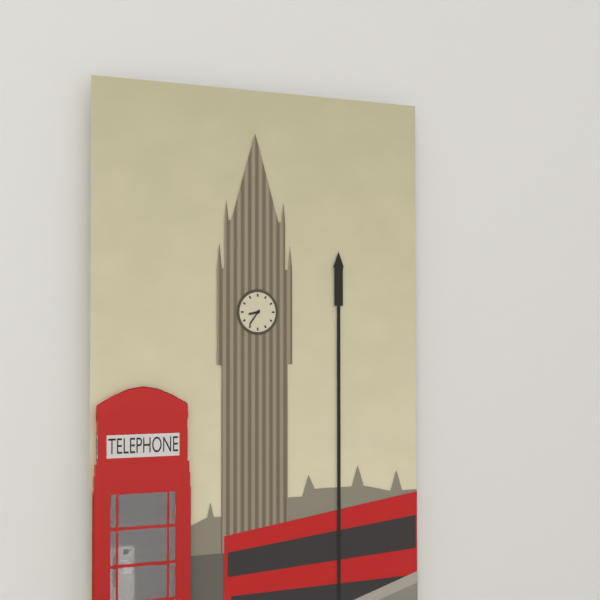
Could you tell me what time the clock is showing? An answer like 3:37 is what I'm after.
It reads 8:36
